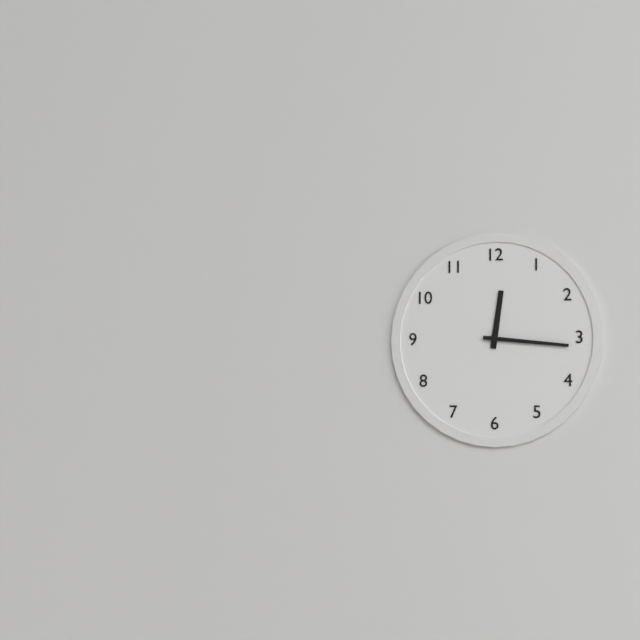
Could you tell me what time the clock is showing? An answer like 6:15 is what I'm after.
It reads 12:16
